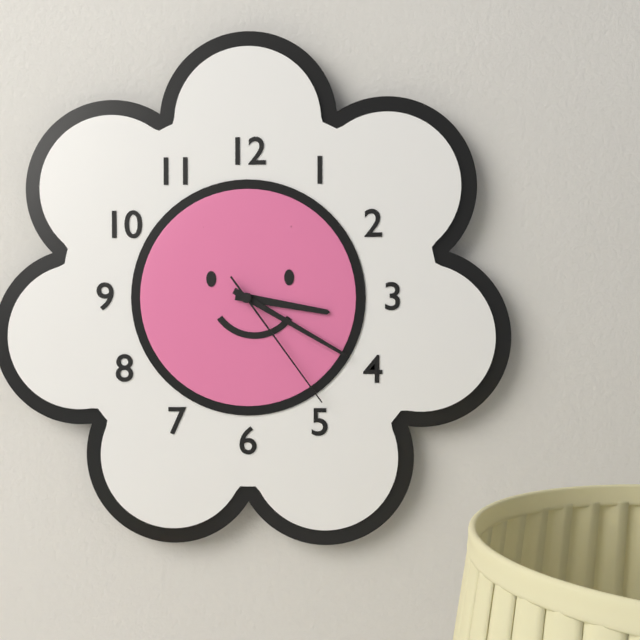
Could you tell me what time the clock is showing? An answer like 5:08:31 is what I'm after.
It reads 3:20:24
